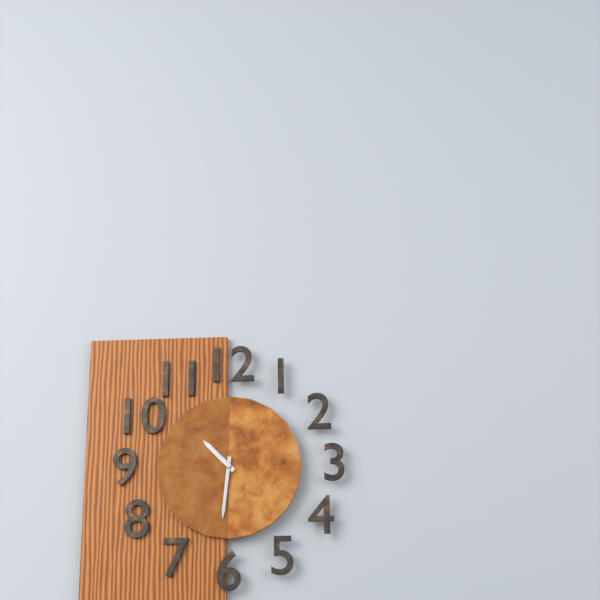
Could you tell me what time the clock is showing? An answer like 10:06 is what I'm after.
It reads 10:31
